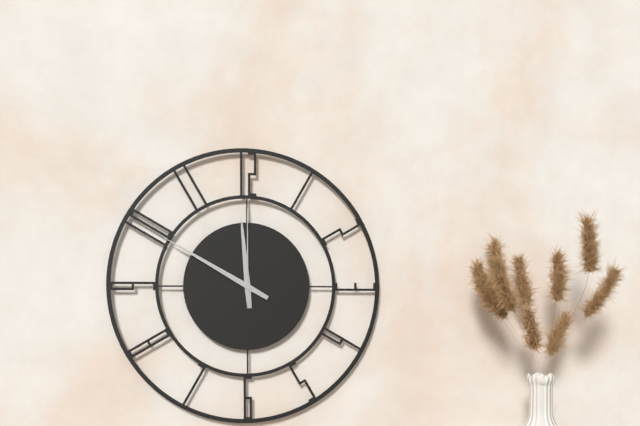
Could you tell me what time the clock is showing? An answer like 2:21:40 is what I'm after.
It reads 11:50:00
